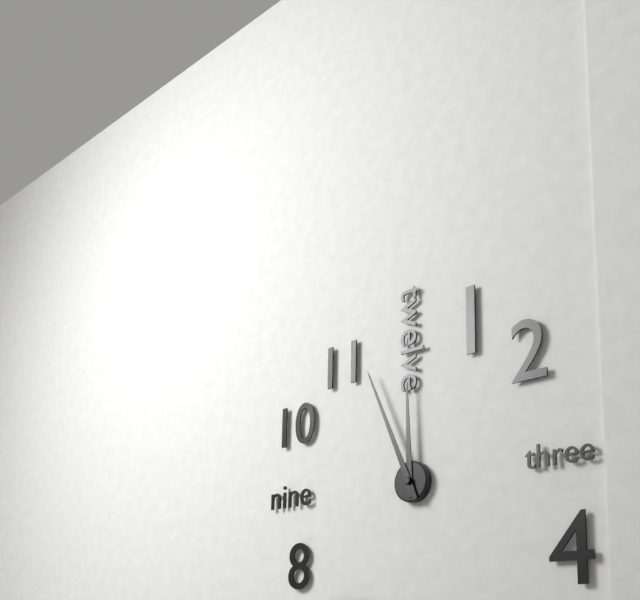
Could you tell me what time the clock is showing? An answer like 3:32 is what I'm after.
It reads 11:56
